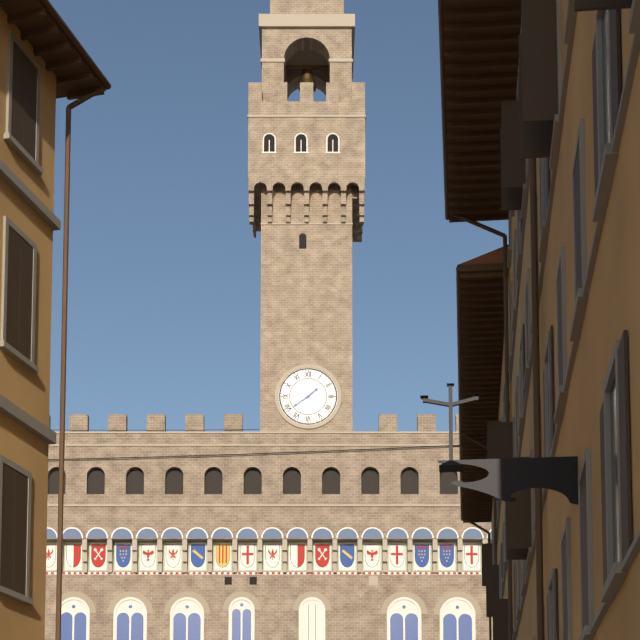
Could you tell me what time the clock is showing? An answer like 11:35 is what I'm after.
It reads 1:39
